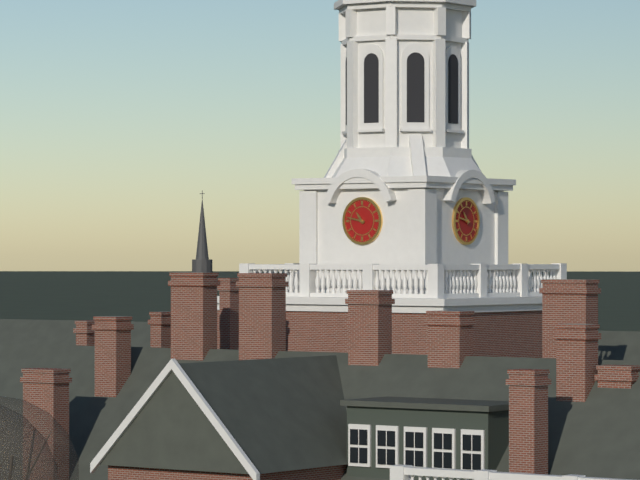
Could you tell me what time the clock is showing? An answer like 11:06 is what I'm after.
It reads 10:47
